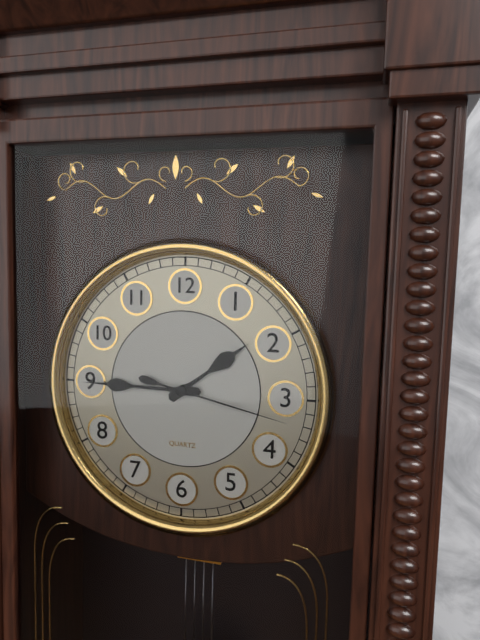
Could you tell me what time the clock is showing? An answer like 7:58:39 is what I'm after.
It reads 1:45:17
